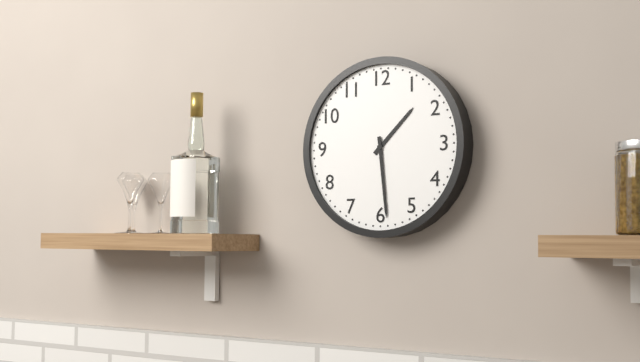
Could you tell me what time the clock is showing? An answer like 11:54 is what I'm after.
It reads 1:29
